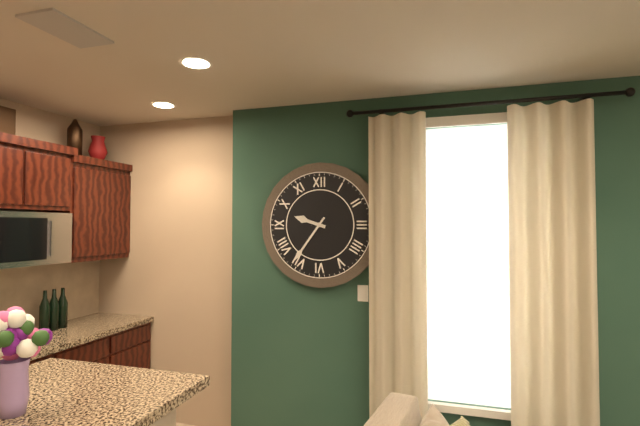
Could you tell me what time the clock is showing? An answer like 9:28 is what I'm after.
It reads 9:36
